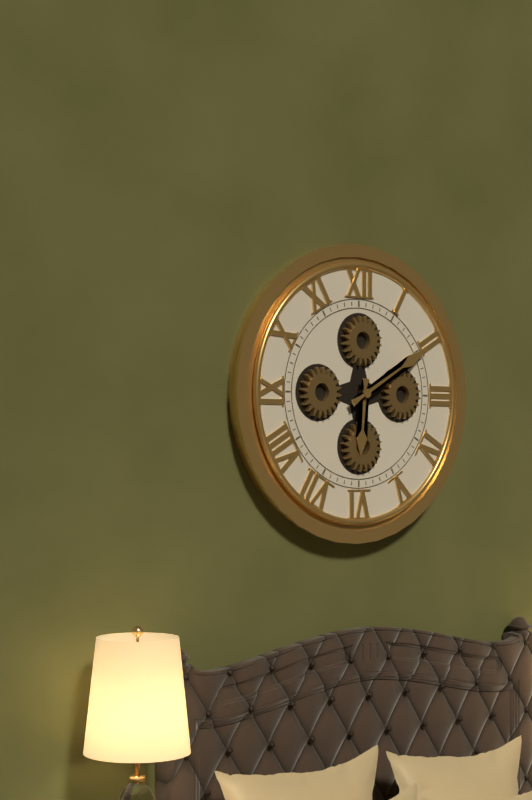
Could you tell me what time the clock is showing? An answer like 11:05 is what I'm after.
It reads 6:10
